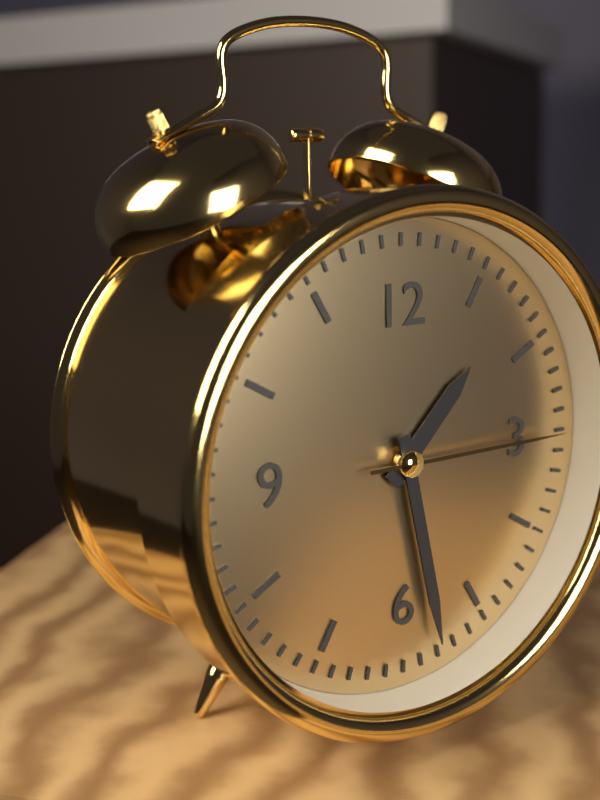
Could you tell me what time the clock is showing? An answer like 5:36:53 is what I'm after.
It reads 1:28:15
